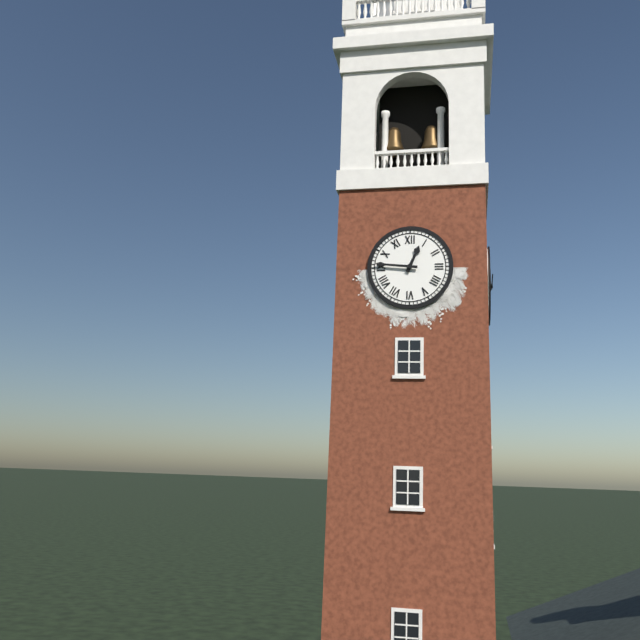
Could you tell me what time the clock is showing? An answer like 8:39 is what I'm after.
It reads 12:46
